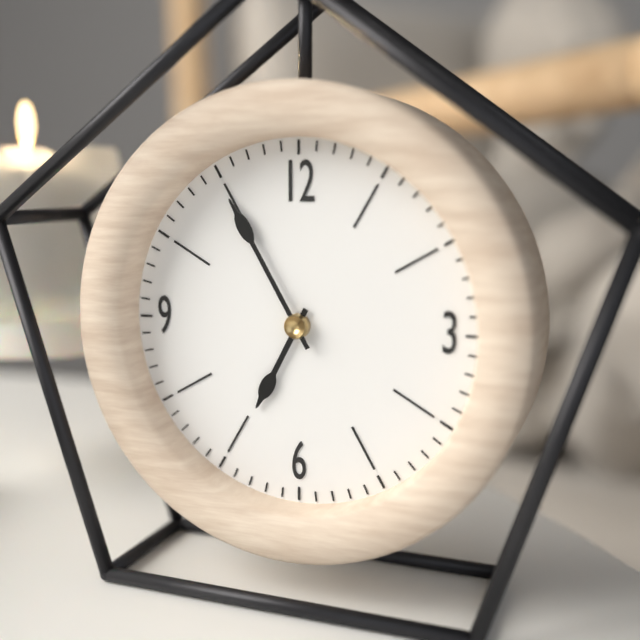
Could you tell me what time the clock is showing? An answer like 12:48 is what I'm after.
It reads 6:55
